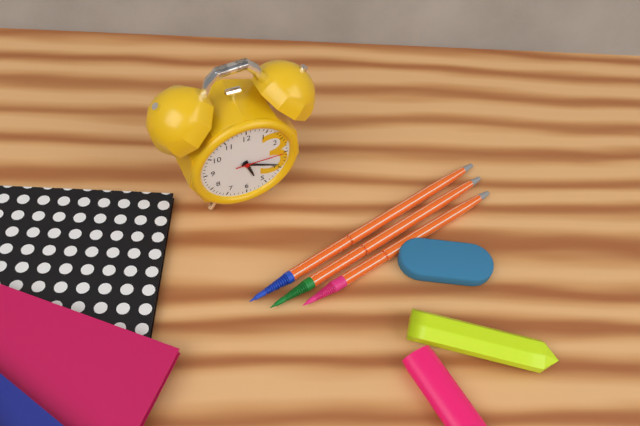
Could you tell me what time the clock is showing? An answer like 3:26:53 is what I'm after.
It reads 5:19:15
